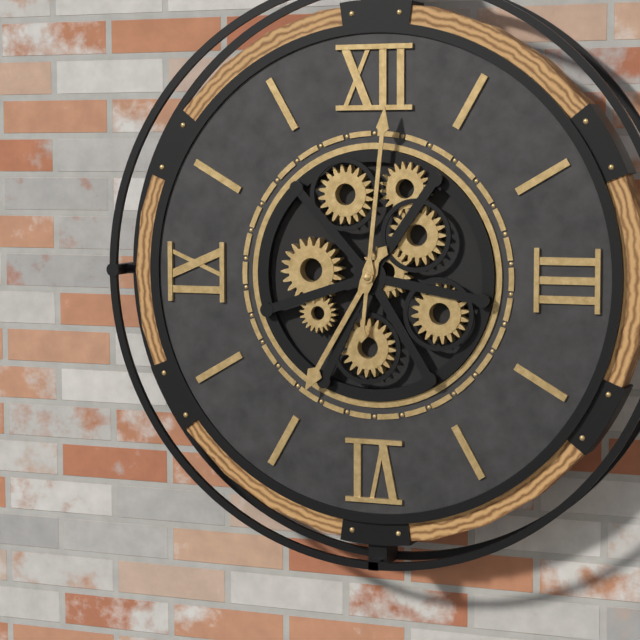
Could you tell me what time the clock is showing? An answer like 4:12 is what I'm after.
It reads 7:01
